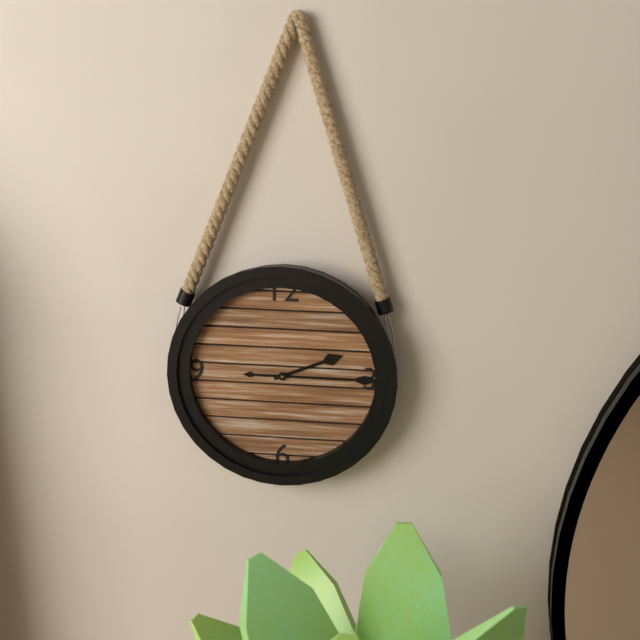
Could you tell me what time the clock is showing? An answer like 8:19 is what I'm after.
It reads 2:15
